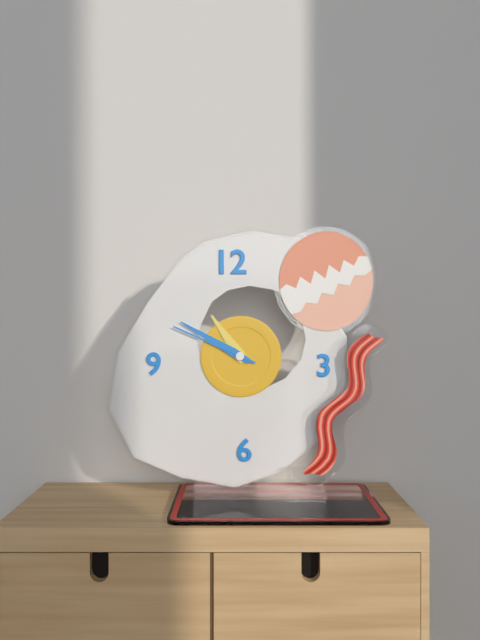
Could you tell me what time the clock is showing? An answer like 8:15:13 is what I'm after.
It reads 10:50:49
